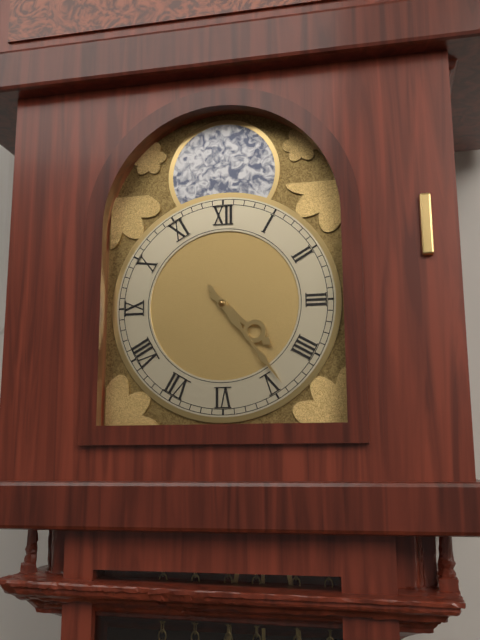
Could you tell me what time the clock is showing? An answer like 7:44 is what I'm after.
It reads 4:24
